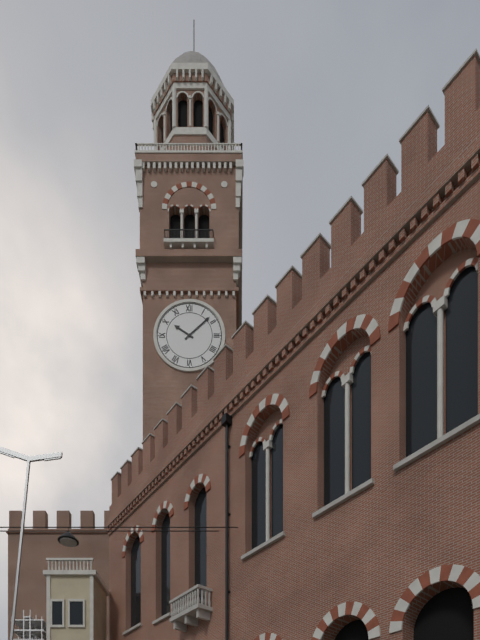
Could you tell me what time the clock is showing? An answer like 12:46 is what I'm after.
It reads 10:08
